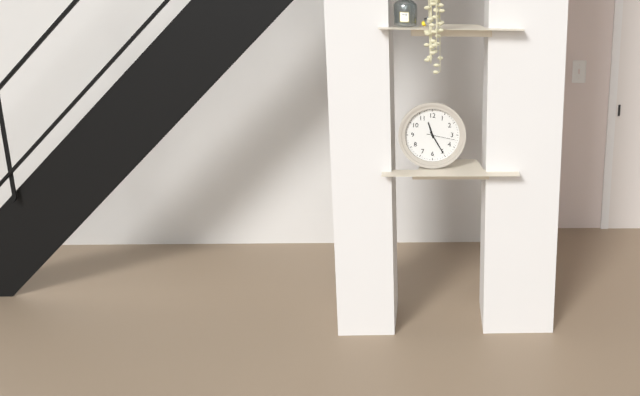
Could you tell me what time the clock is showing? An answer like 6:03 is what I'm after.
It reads 11:25
